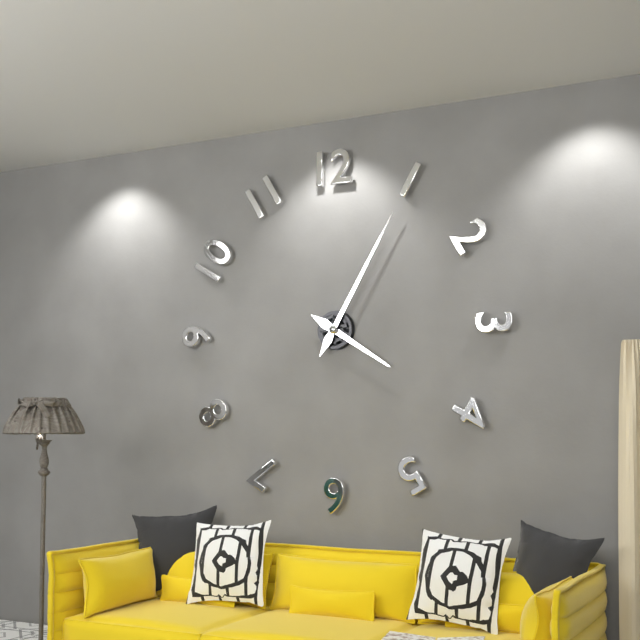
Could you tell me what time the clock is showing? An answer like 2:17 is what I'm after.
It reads 4:05
